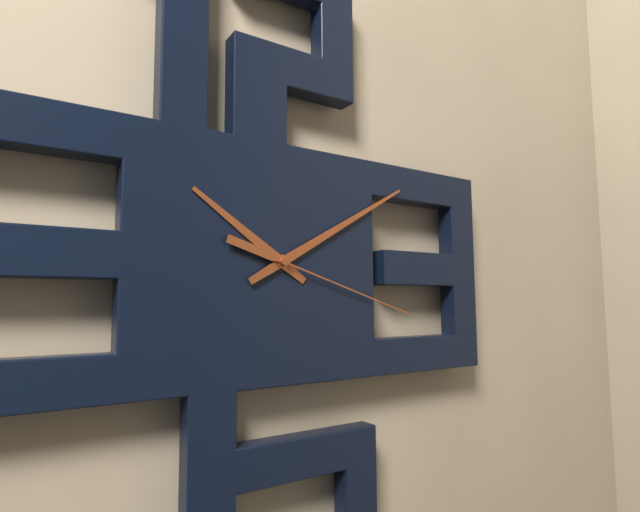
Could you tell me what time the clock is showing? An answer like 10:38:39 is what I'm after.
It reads 10:10:18
